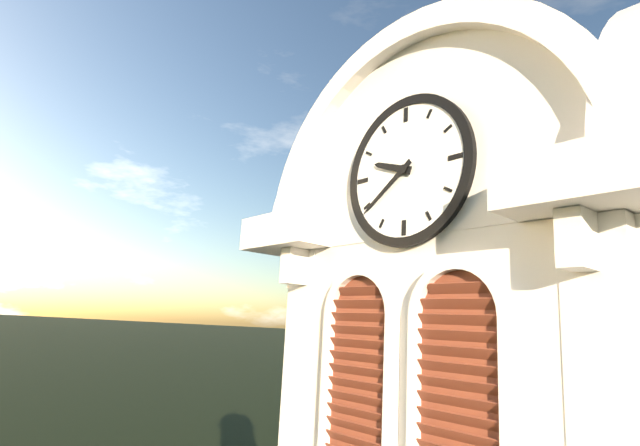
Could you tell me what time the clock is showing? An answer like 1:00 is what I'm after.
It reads 9:39
